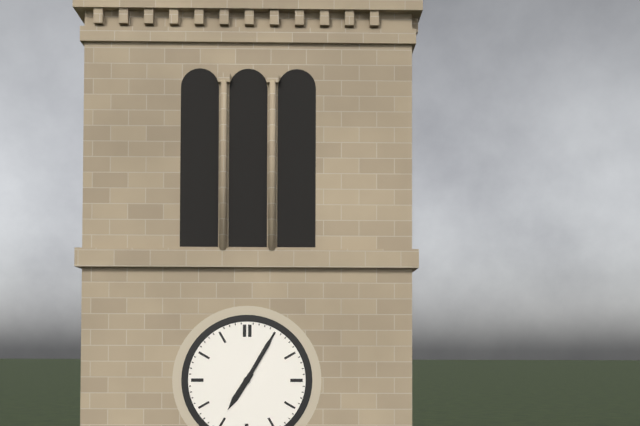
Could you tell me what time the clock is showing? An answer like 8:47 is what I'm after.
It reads 7:05
